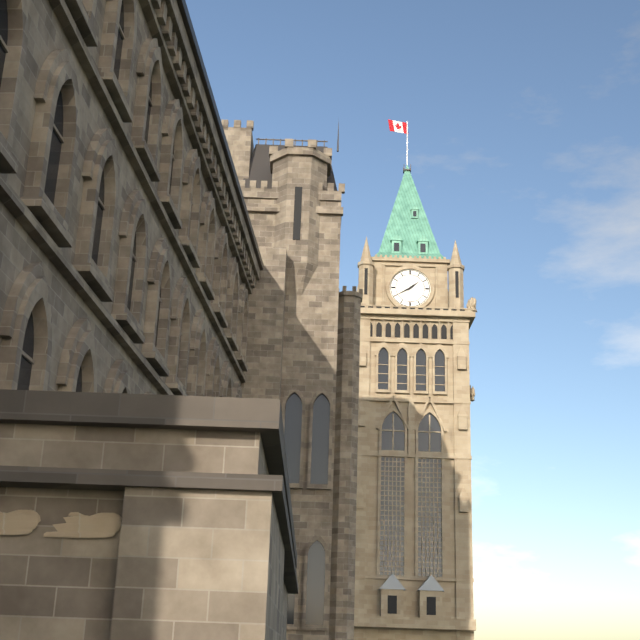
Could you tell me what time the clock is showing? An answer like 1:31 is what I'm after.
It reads 1:40
